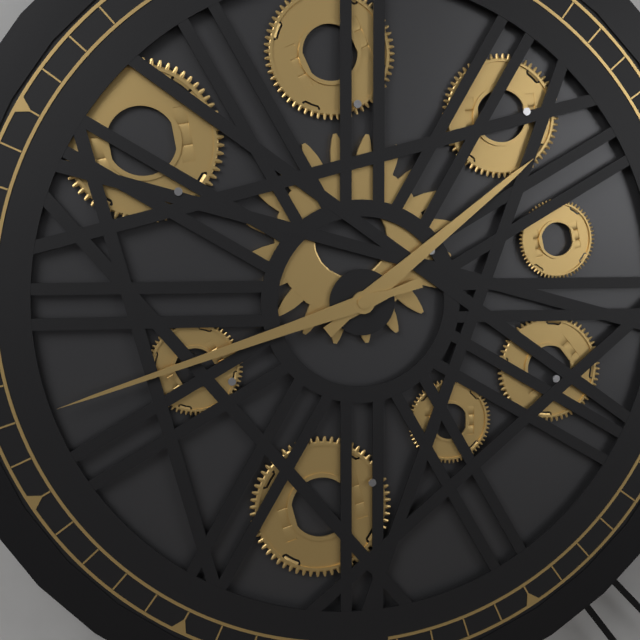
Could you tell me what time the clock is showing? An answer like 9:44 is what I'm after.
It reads 1:42
